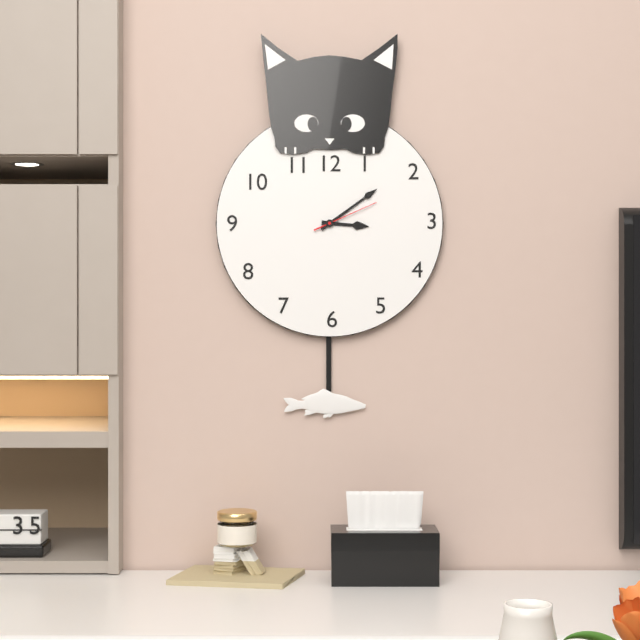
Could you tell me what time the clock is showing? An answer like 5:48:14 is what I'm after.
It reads 3:09:11
